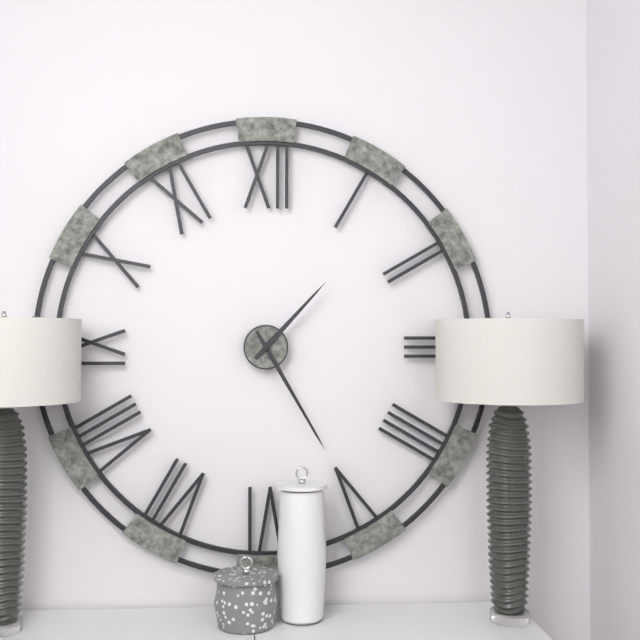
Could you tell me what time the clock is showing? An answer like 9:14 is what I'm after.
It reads 1:25
